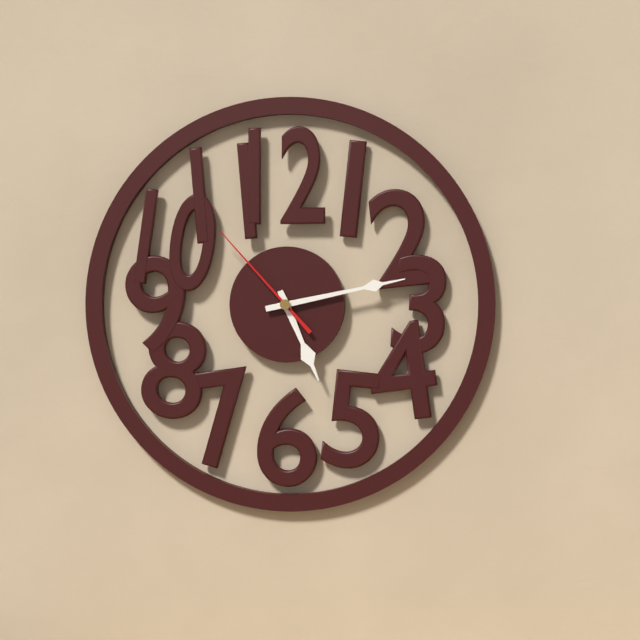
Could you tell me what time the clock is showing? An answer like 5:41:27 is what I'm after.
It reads 5:13:53
